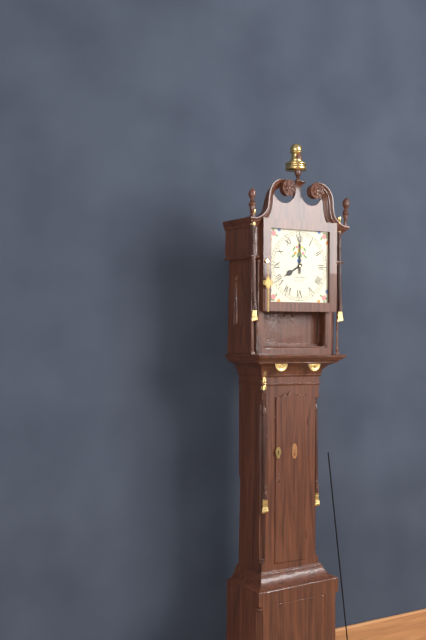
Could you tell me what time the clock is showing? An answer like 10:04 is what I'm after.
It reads 8:00
